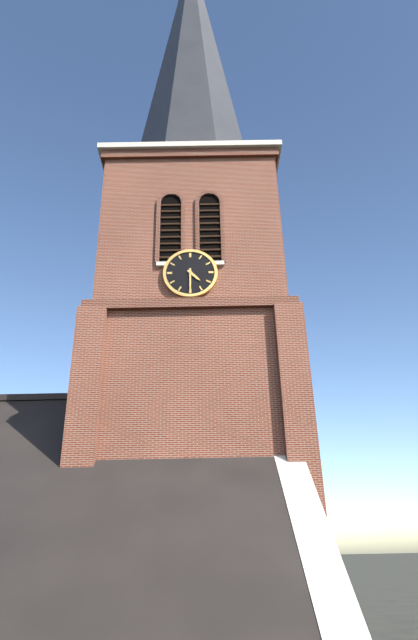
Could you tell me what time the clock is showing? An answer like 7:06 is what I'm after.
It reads 4:30
